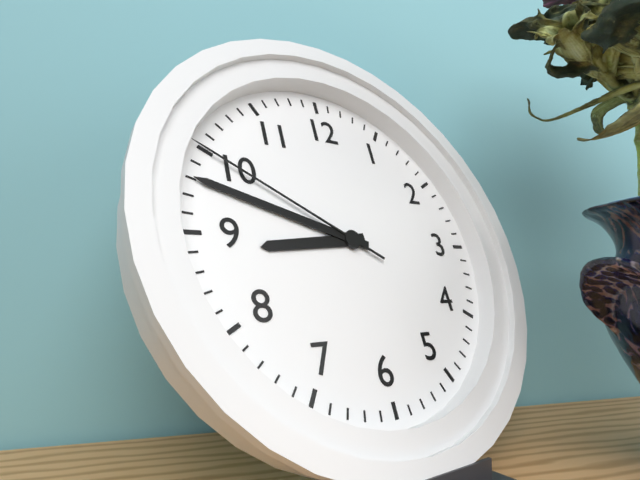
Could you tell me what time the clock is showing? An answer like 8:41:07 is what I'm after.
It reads 8:48:50
